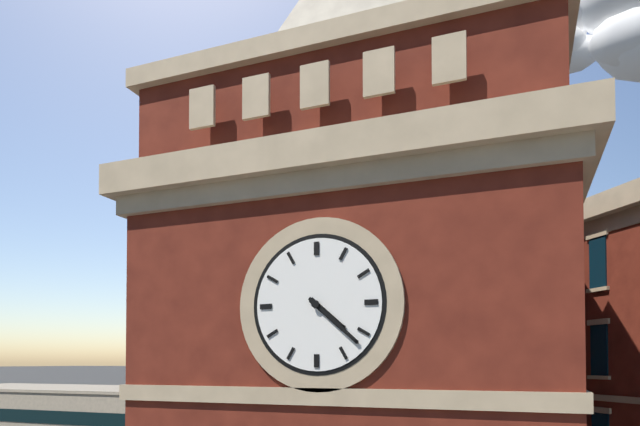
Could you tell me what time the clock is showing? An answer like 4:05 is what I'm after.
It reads 4:22
